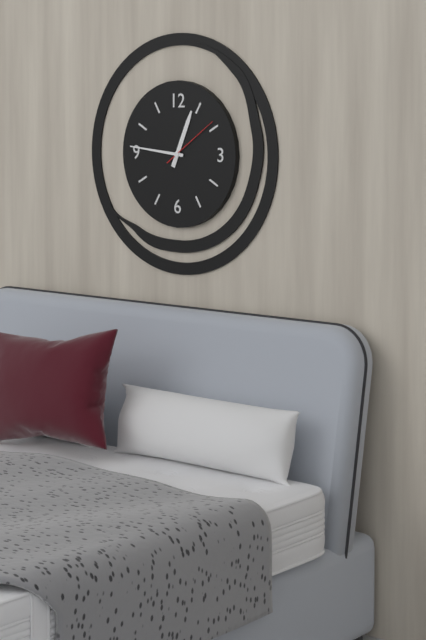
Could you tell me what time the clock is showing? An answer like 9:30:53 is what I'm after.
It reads 12:46:09
